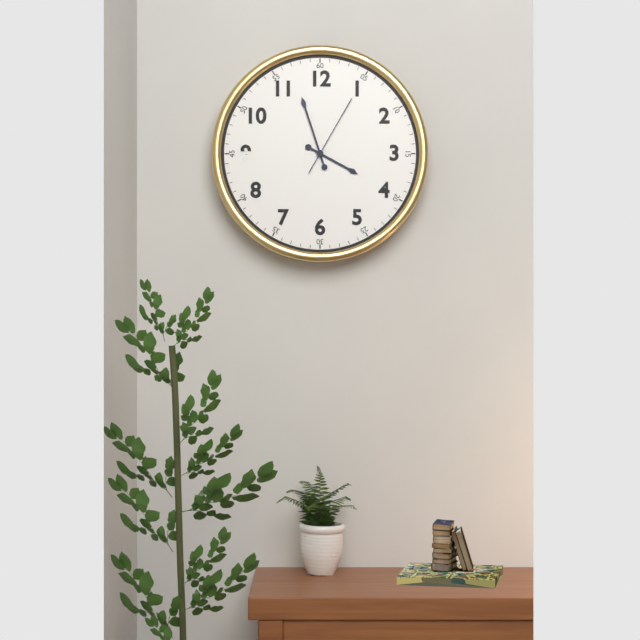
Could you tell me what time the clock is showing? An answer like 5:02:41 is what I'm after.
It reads 3:57:05
